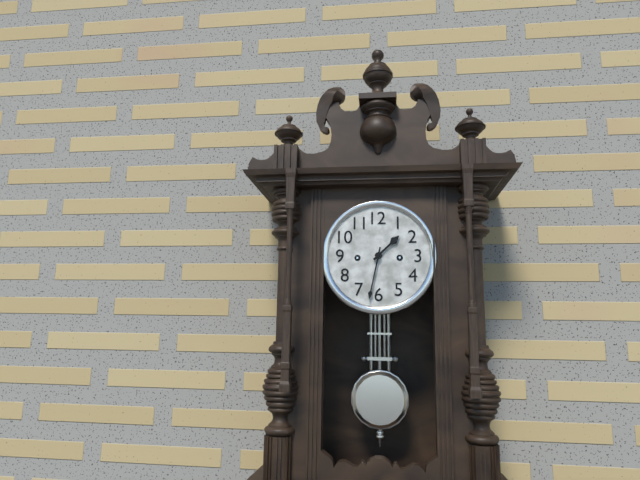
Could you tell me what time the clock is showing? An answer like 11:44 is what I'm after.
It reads 1:32
